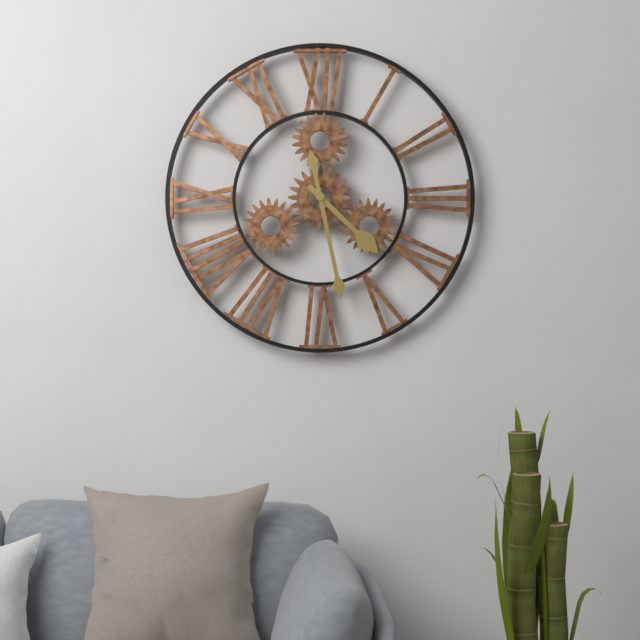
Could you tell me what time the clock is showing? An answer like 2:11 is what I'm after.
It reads 4:28
